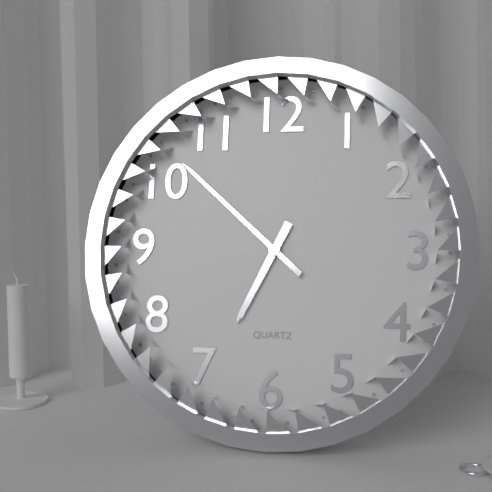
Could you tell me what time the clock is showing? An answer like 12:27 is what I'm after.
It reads 6:52
